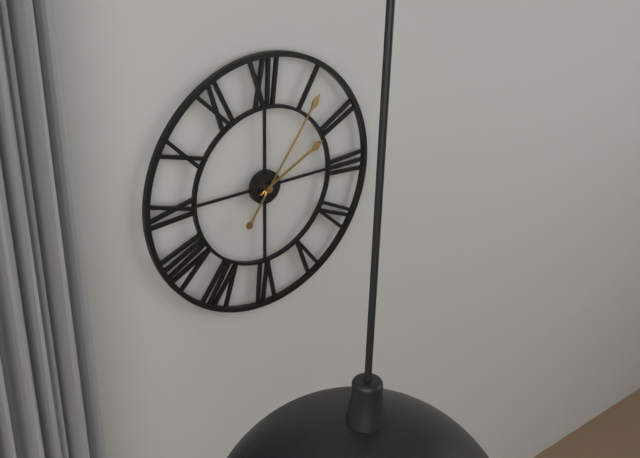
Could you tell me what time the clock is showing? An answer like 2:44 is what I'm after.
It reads 2:06
